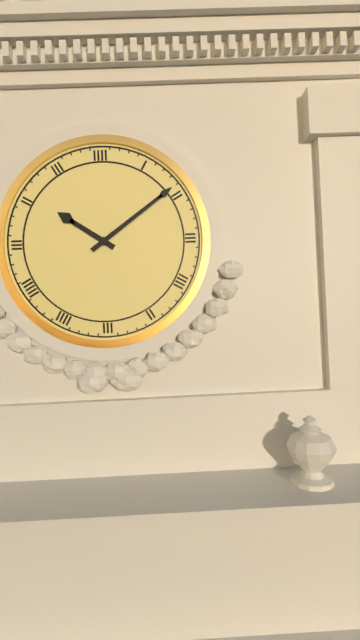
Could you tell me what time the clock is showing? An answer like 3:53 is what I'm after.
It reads 10:09
